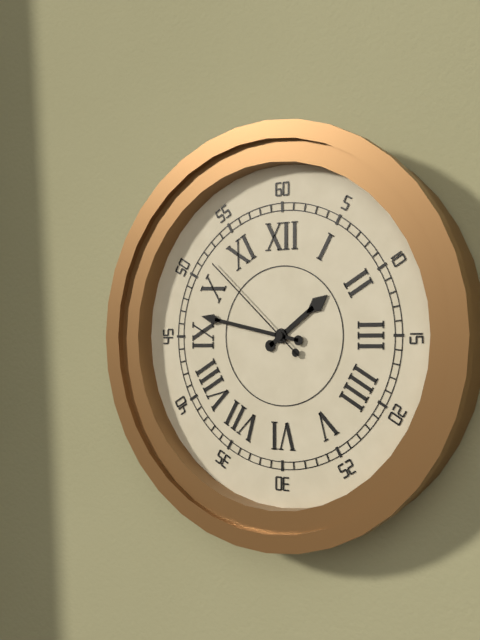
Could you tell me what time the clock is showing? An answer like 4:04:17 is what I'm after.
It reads 1:47:52
